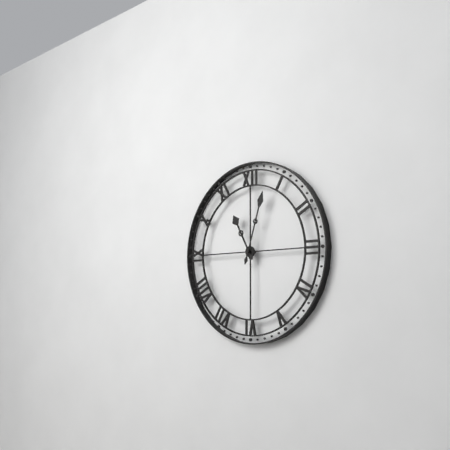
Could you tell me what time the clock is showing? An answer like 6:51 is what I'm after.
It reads 11:03
